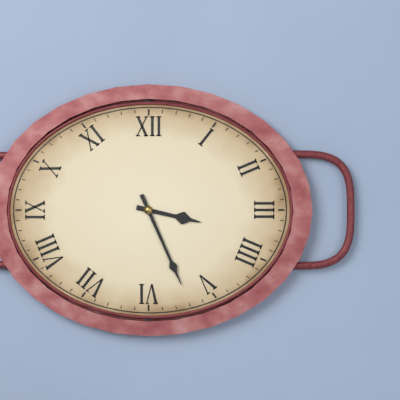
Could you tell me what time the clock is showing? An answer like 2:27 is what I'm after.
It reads 3:26
